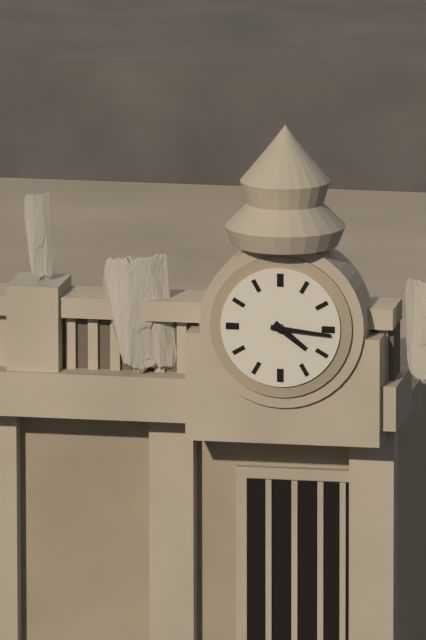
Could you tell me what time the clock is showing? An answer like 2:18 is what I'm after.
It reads 4:16
